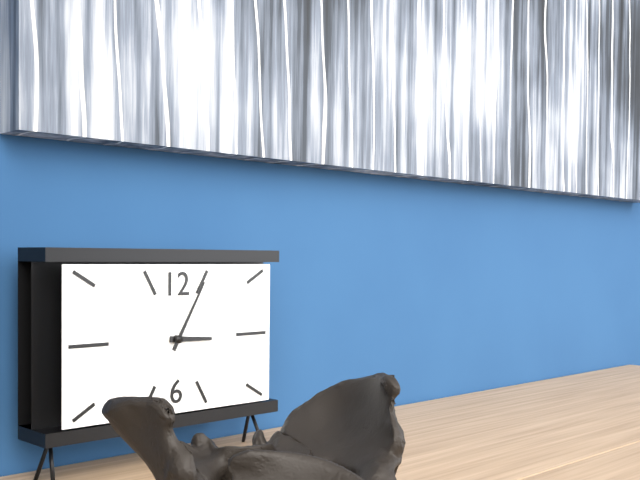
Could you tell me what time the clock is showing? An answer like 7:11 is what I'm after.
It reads 3:05
